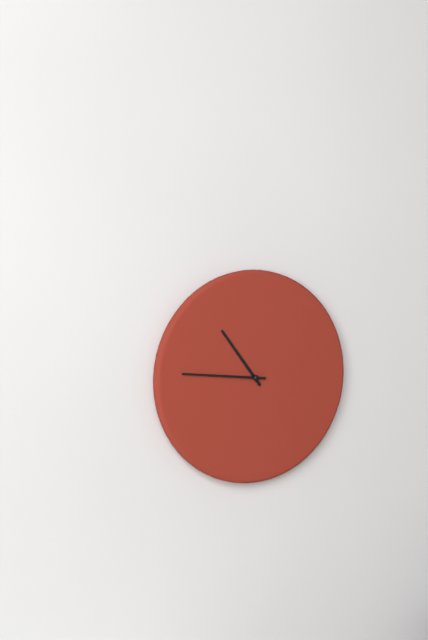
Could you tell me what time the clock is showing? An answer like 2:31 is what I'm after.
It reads 10:46
